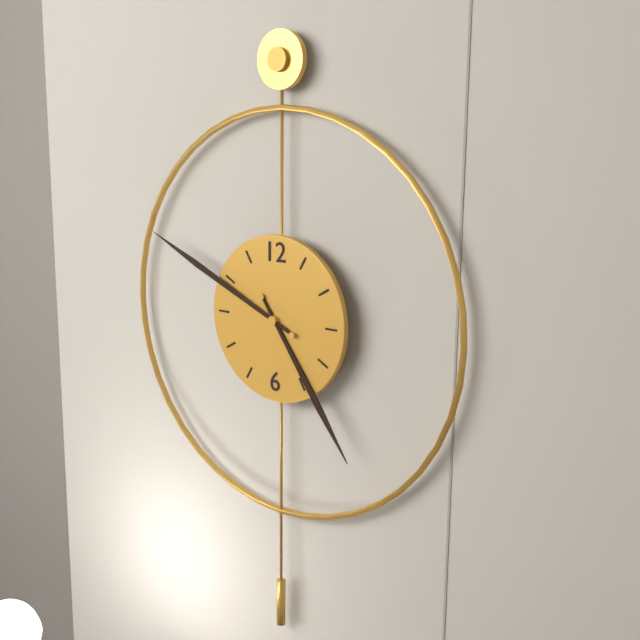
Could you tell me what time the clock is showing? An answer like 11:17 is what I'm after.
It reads 4:49
